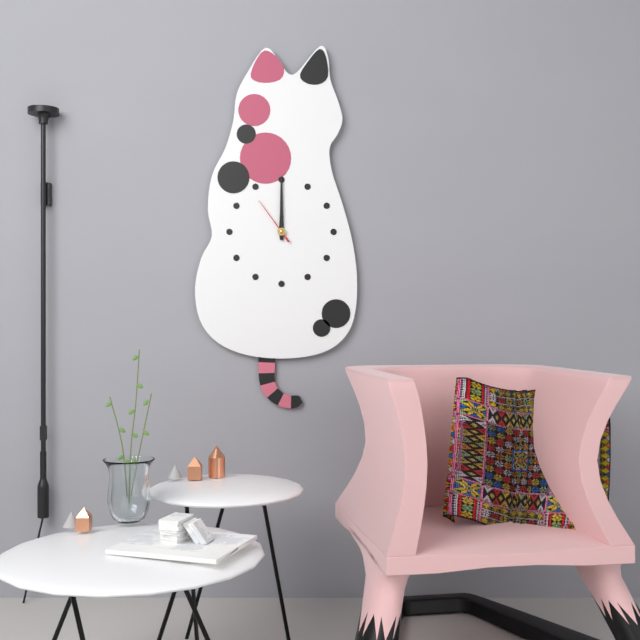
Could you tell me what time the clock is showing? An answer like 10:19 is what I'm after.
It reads 12:00
